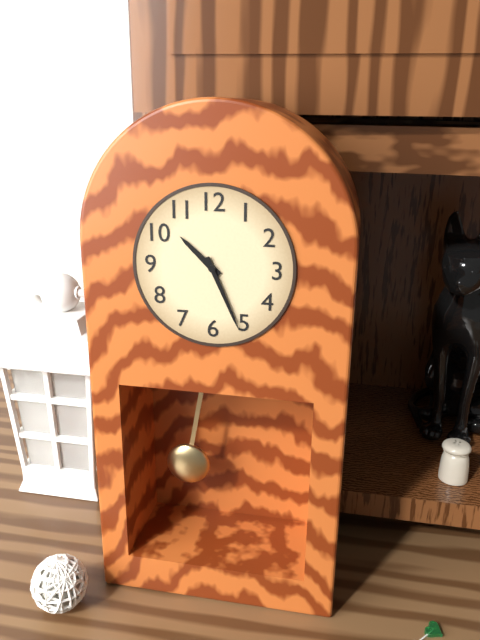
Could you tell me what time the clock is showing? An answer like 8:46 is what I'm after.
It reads 10:26
